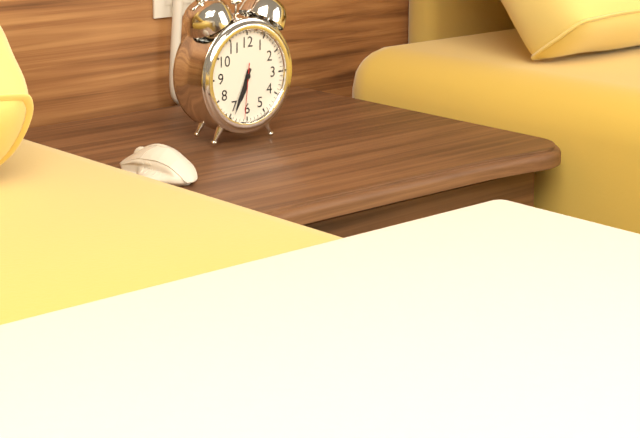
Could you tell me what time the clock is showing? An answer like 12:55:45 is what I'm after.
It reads 6:34:31
